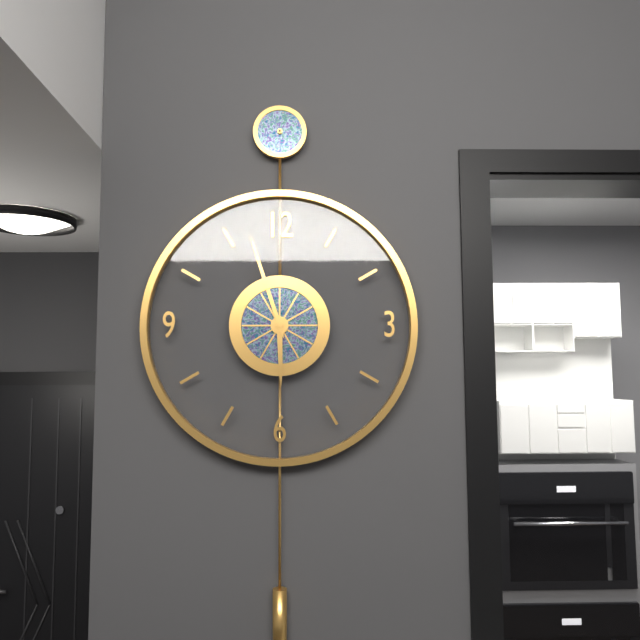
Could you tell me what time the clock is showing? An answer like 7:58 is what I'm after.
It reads 5:57
